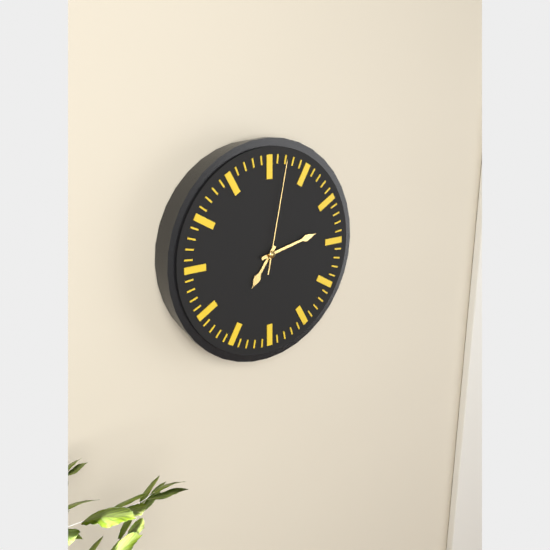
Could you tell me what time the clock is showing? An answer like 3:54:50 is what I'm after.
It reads 7:13:02
